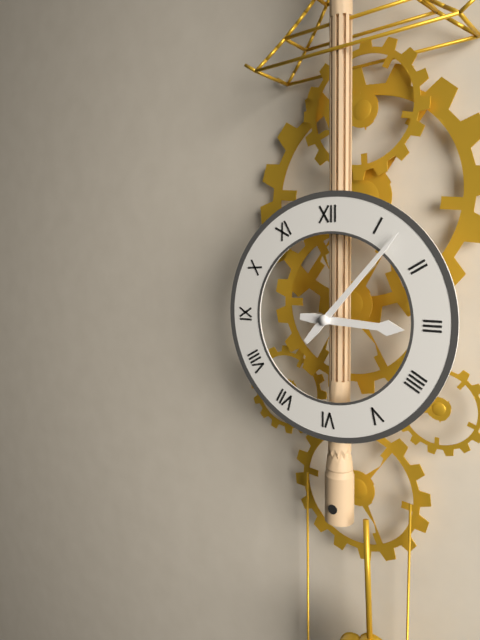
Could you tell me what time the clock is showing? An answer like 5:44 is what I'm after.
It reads 3:07
